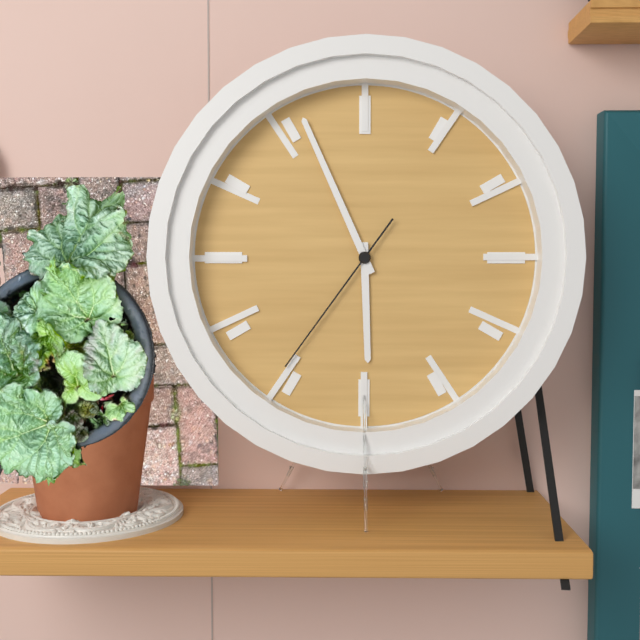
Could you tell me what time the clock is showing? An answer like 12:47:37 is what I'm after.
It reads 5:56:36
